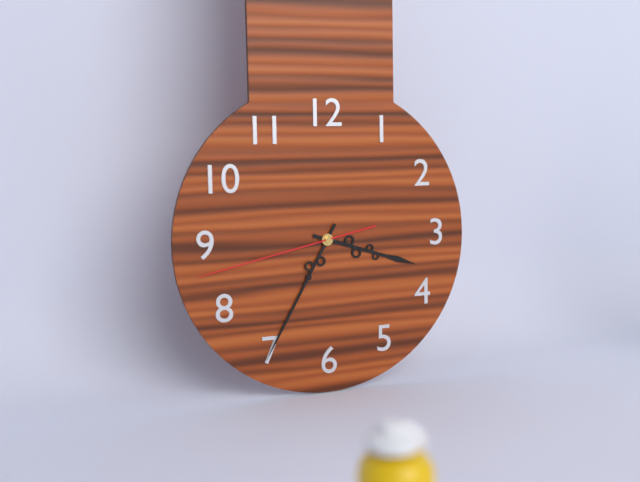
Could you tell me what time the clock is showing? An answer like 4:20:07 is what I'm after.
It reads 3:35:43
